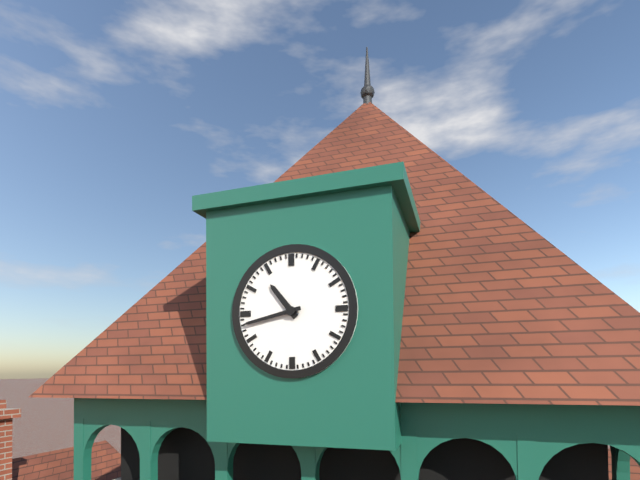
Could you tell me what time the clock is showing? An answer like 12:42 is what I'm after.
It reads 10:43
